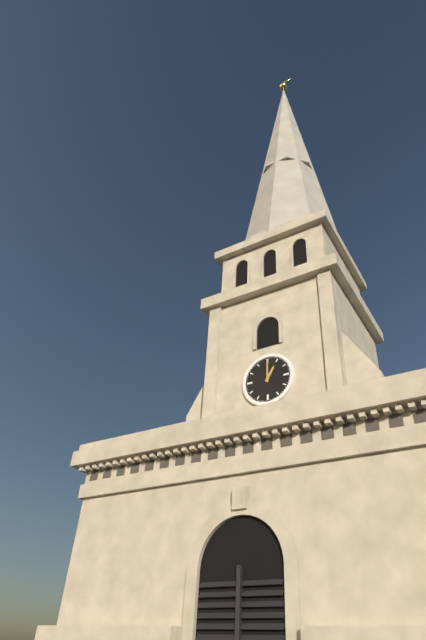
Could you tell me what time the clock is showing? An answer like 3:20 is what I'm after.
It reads 1:00
